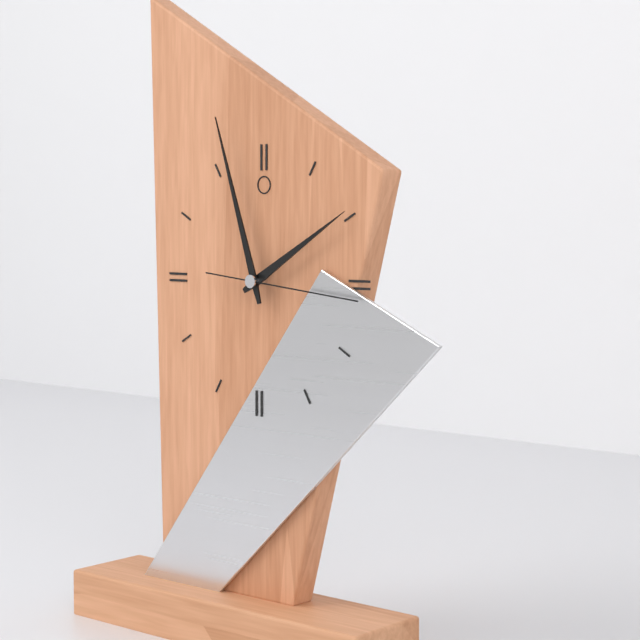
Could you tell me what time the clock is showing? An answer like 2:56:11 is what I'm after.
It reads 1:57:16
